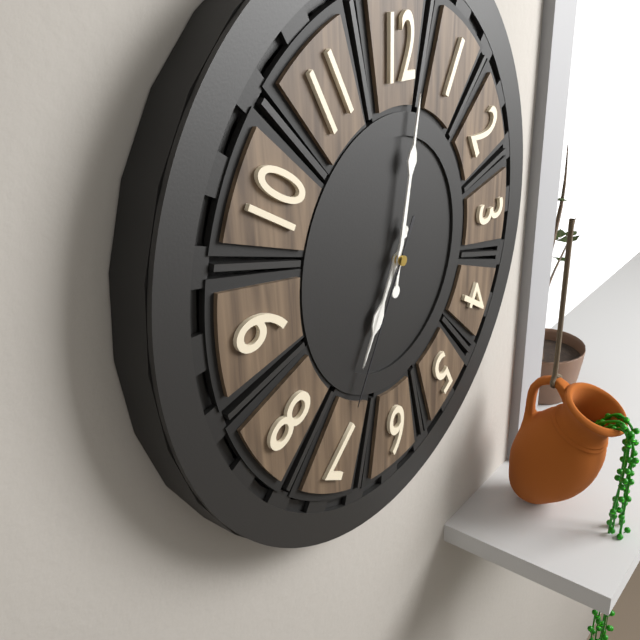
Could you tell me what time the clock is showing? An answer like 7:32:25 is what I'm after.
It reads 7:02:35
